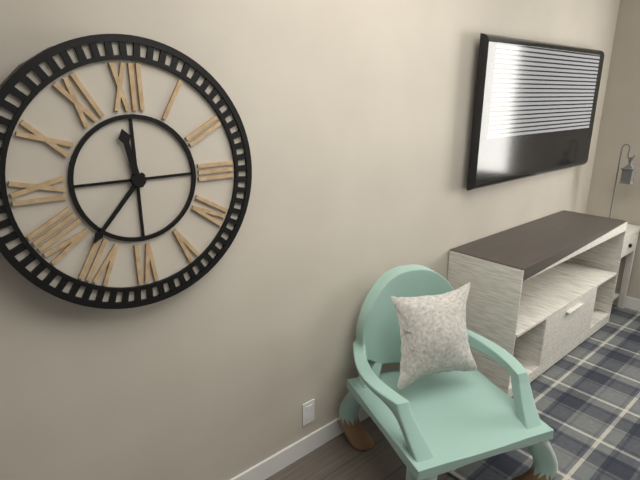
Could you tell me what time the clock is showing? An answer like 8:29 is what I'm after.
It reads 11:37
